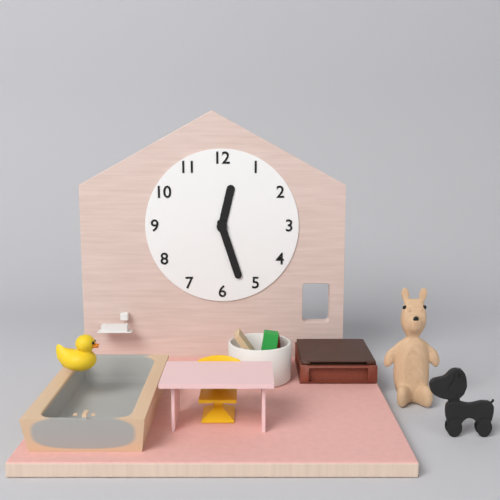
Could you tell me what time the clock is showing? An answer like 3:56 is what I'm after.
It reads 12:27
